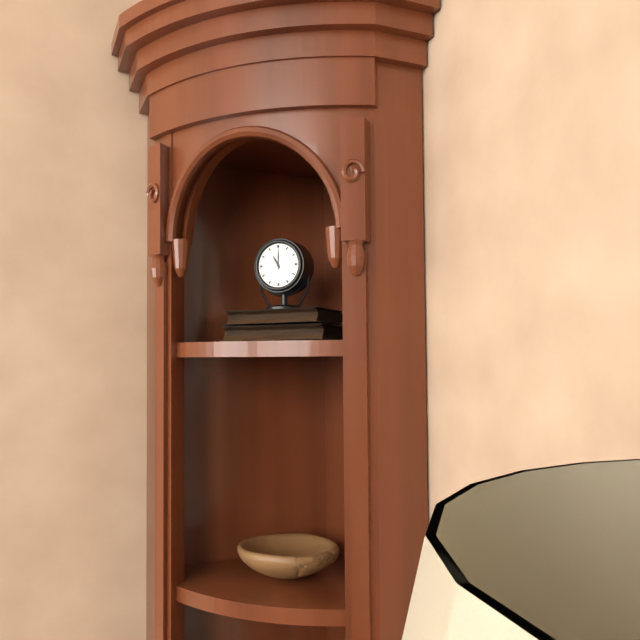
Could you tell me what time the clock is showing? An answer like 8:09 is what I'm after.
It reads 11:00
